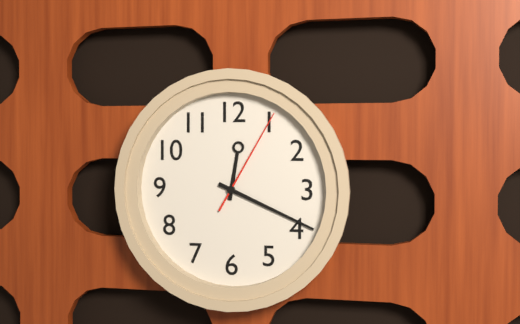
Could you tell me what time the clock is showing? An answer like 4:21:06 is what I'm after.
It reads 12:19:05
